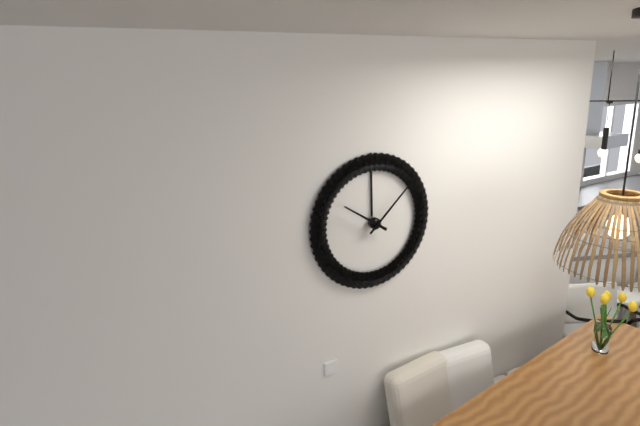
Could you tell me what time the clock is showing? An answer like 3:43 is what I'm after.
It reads 10:08
